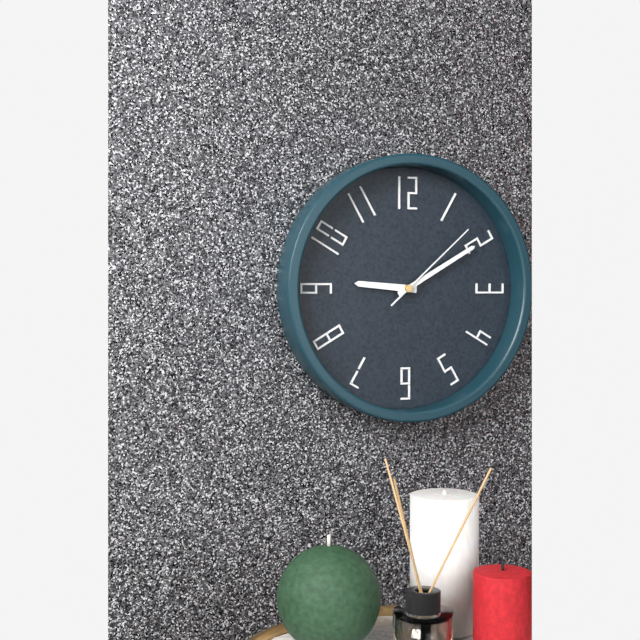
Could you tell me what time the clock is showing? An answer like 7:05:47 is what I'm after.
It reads 9:10:08
